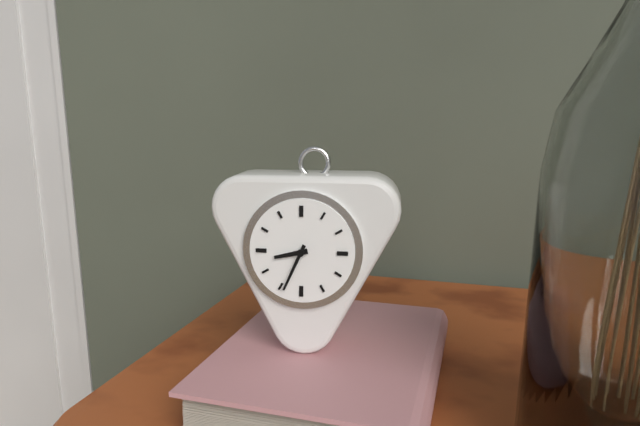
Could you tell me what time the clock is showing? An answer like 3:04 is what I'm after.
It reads 8:34
